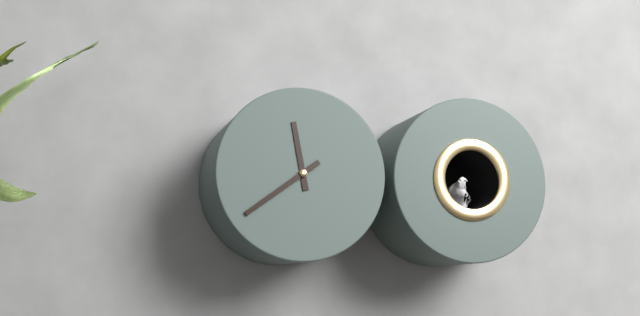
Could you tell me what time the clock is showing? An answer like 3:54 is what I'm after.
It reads 11:39
